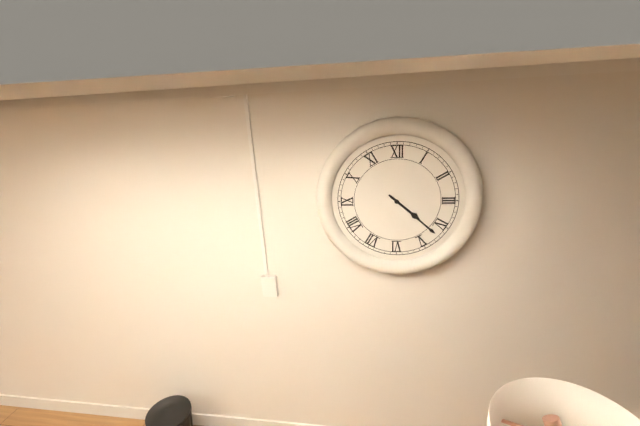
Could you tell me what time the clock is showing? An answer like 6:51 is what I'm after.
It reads 4:22
